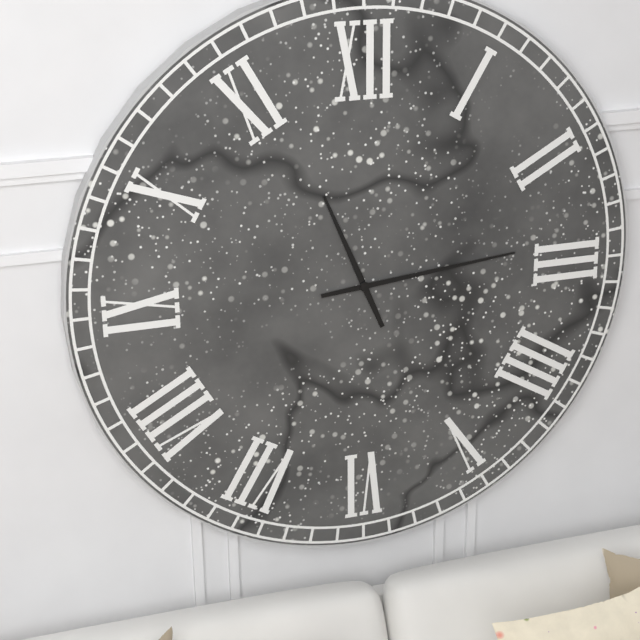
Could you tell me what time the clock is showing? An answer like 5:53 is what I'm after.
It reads 11:14
